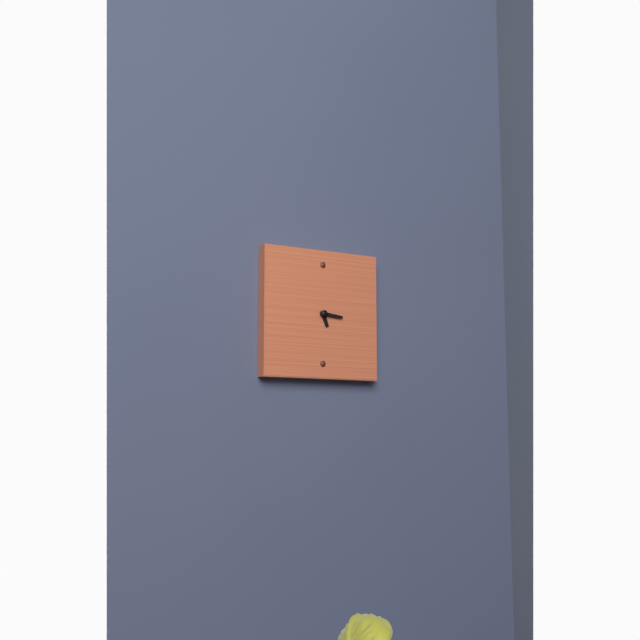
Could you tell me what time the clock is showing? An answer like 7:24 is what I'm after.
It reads 5:16
